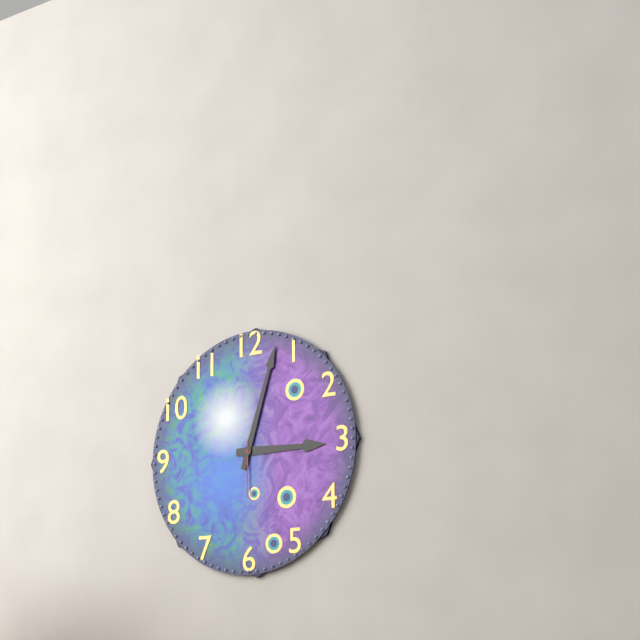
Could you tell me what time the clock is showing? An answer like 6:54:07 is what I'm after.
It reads 3:03:30
